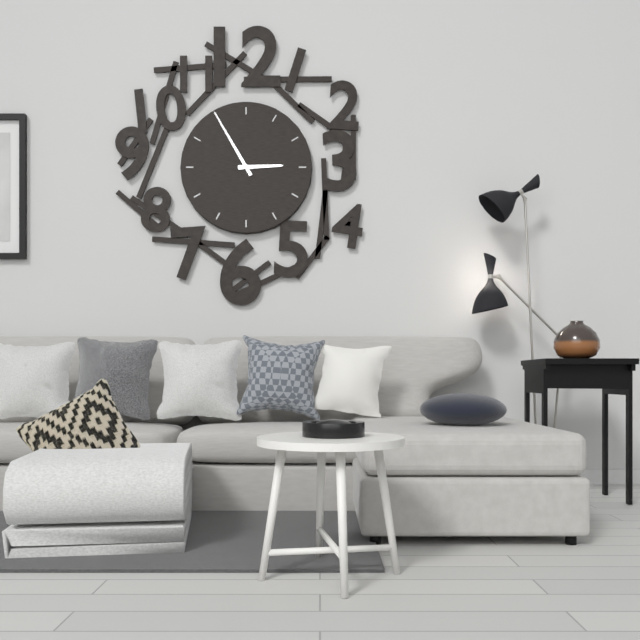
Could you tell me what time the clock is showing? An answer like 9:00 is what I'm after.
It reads 2:55
